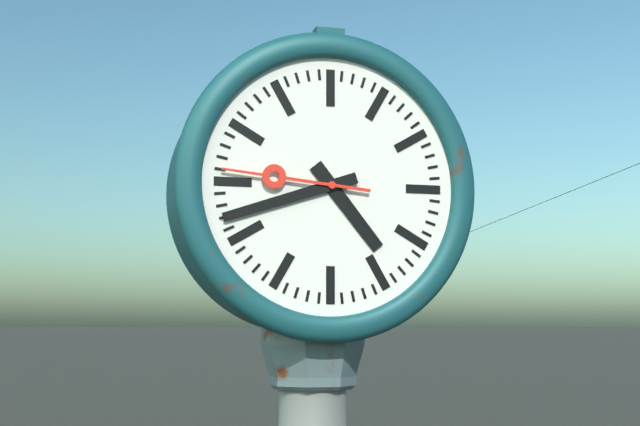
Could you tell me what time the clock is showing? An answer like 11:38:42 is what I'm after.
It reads 4:42:46
